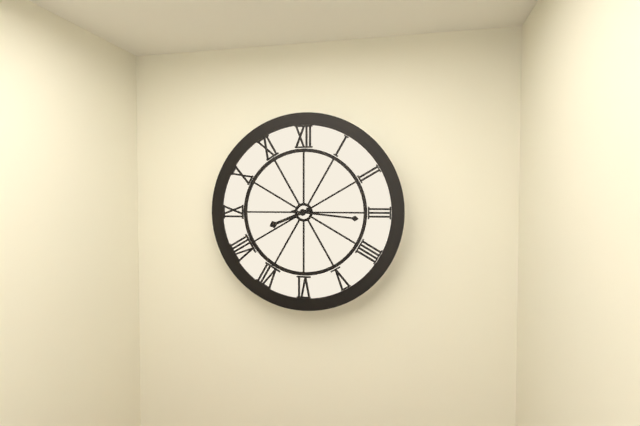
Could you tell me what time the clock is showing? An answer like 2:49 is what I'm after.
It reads 8:16
